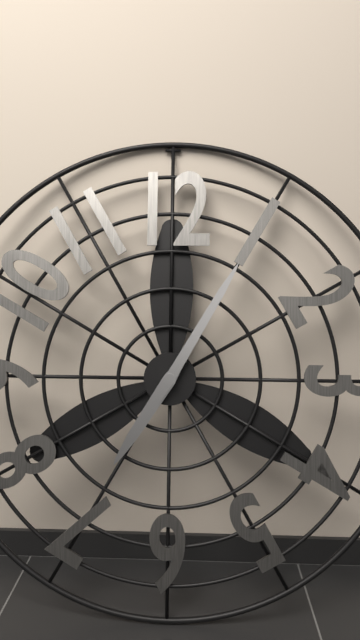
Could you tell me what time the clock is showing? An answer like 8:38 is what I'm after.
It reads 7:05
